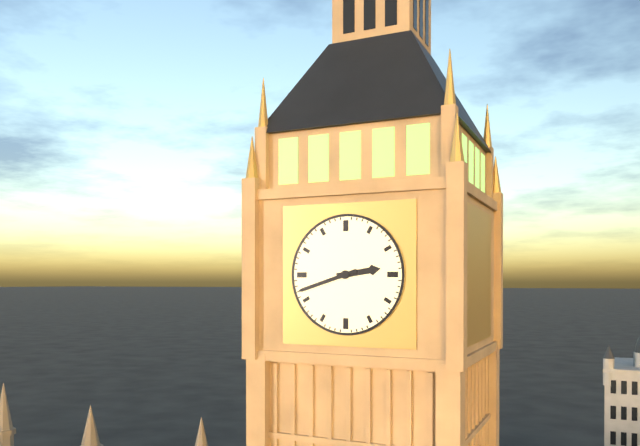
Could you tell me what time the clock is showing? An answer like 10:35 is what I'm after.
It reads 2:42
